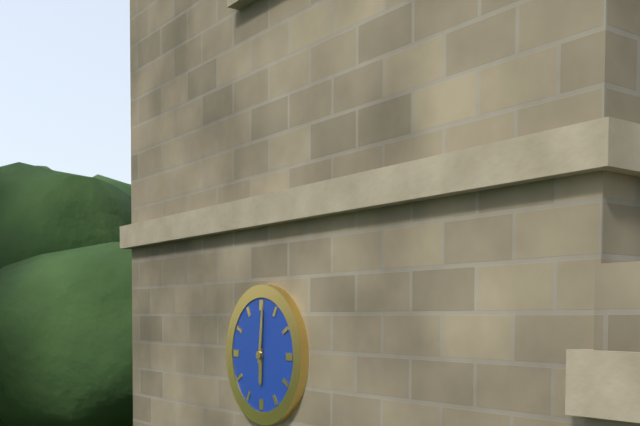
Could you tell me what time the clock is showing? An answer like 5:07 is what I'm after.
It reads 6:01
